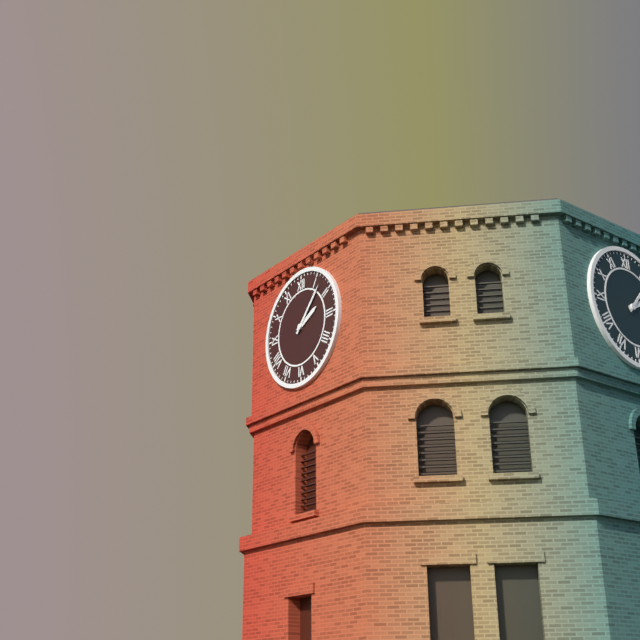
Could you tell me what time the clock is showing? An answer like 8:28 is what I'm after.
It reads 2:07
